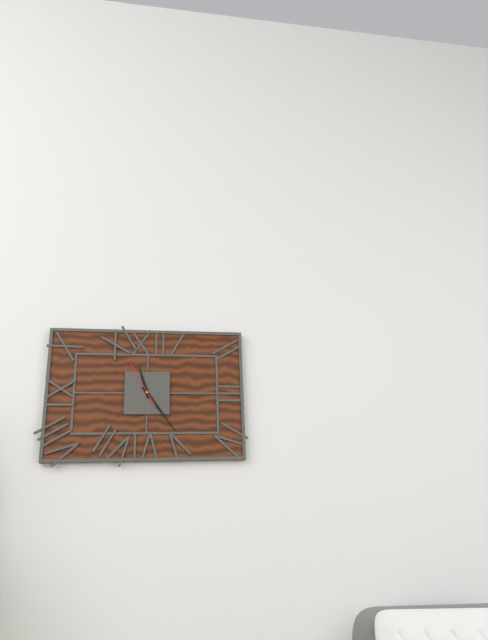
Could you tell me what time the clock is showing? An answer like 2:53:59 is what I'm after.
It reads 11:24:55
